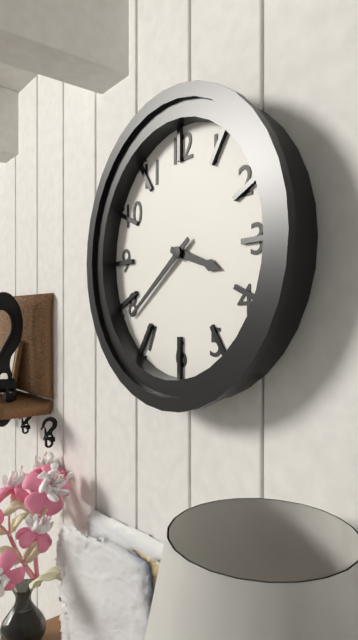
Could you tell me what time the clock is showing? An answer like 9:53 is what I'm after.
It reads 3:39
